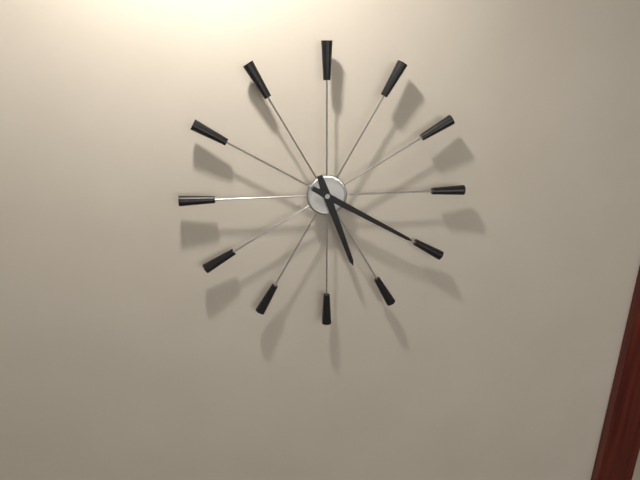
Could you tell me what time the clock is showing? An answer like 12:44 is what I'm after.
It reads 5:20
